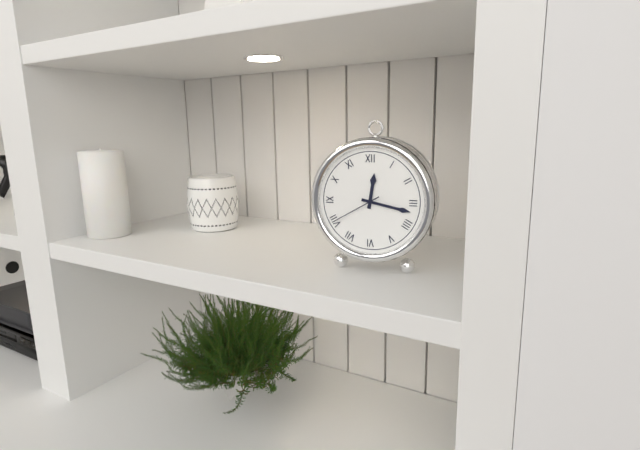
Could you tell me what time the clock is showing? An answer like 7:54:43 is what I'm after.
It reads 12:17:40
